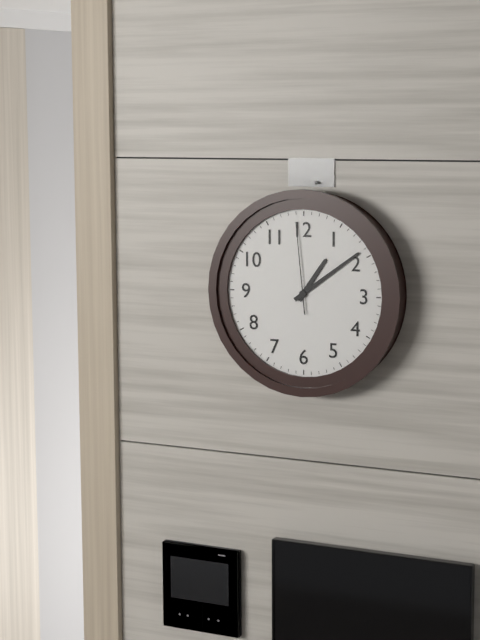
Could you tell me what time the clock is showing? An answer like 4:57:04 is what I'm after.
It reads 1:09:59
